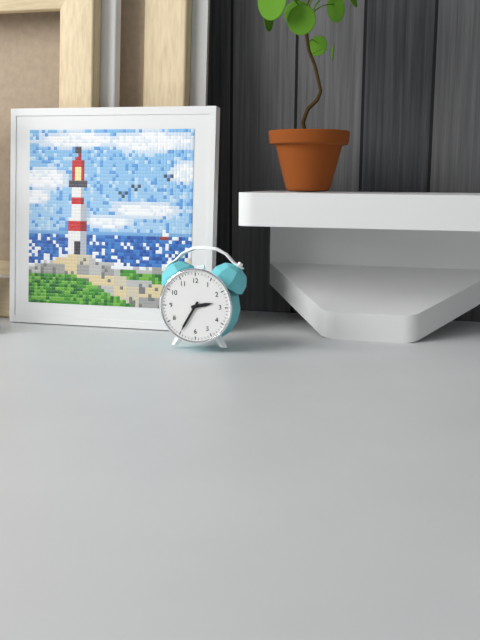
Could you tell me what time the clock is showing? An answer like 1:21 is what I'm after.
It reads 2:35
